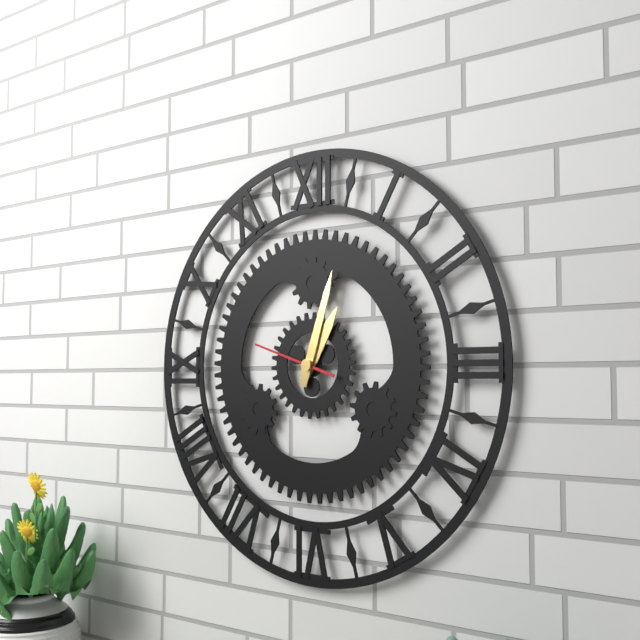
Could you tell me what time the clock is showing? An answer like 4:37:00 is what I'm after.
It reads 1:03:48
